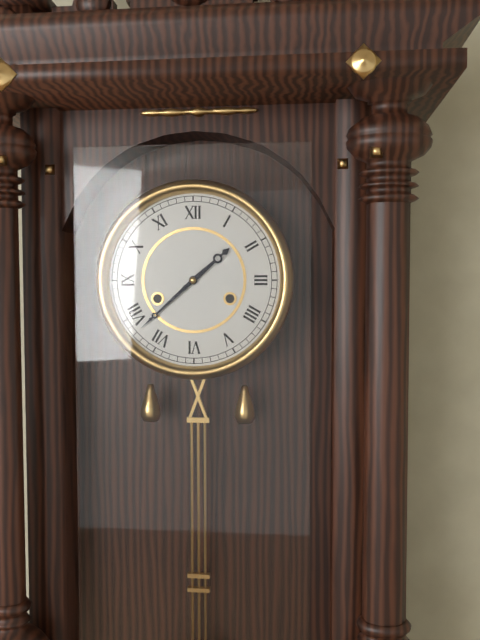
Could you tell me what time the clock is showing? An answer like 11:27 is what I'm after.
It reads 1:38
